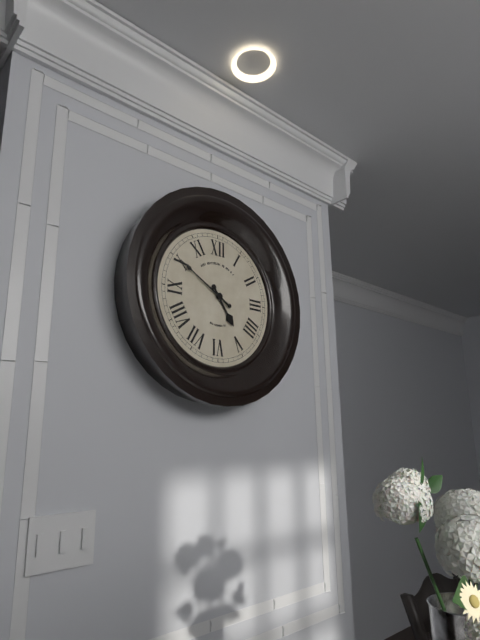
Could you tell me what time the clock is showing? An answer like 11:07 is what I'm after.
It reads 4:50
